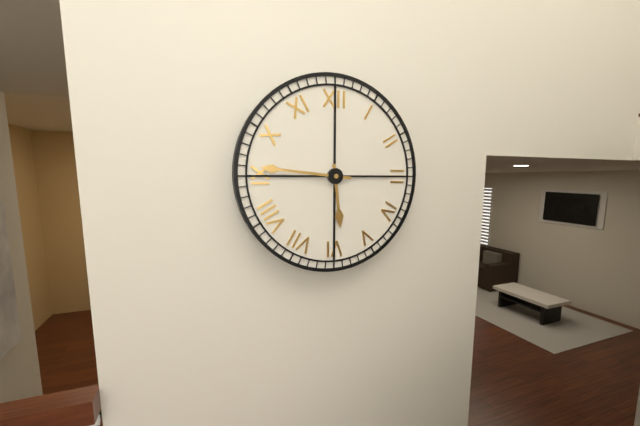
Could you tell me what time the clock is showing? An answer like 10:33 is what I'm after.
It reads 5:46
